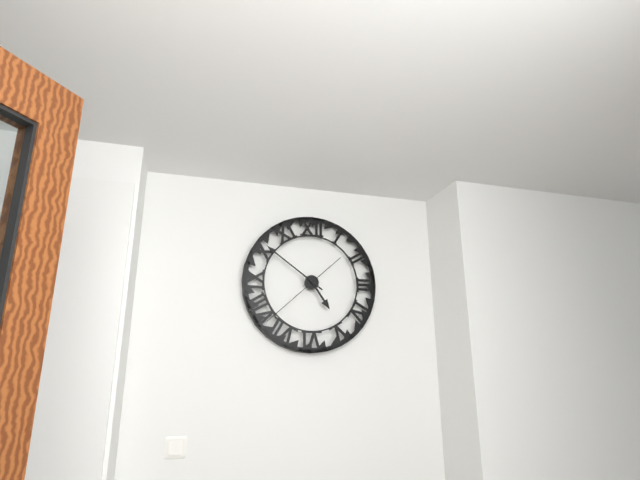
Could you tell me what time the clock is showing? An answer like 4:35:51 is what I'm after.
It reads 4:51:38
